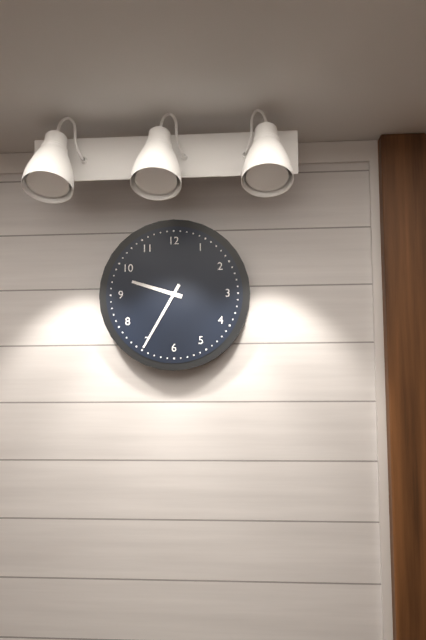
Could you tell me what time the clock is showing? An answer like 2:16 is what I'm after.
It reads 9:35
